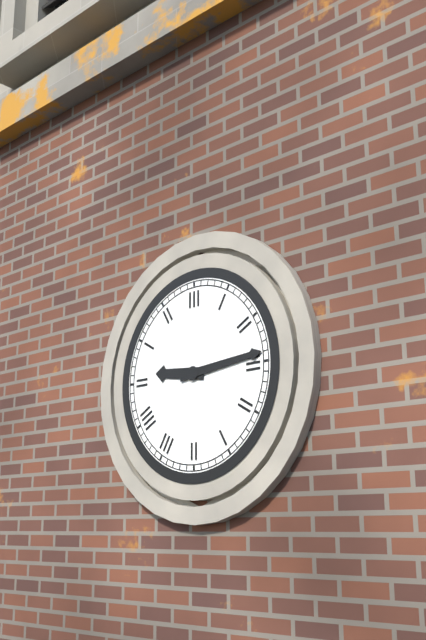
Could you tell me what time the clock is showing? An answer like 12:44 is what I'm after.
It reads 9:14
